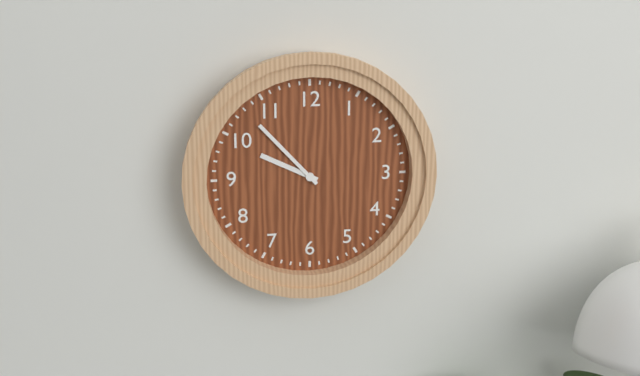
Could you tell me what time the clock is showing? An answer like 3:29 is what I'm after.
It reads 9:53
